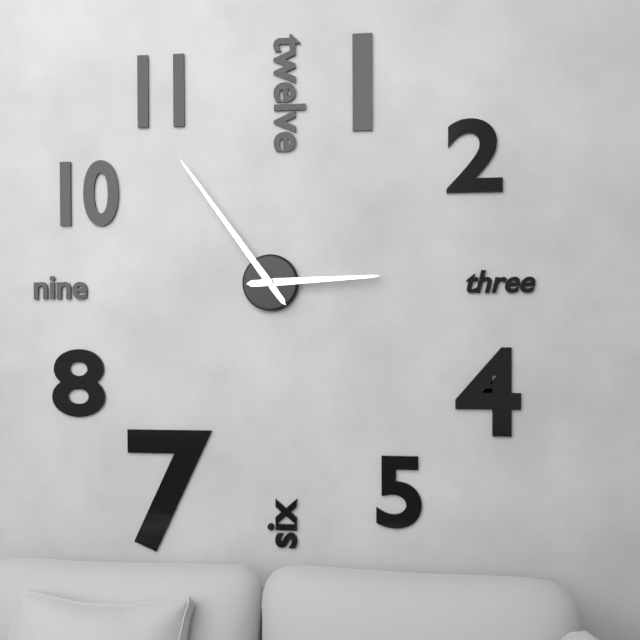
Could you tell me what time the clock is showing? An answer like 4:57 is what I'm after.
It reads 2:54
